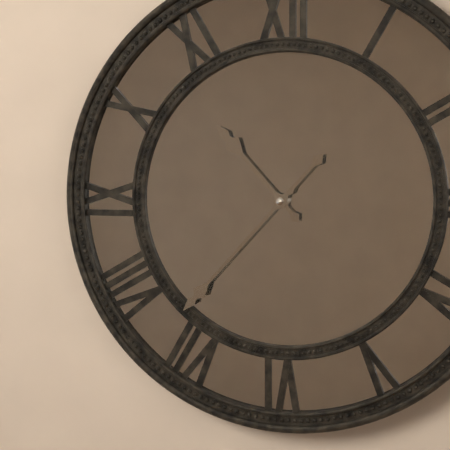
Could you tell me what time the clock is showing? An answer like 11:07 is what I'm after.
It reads 10:37
